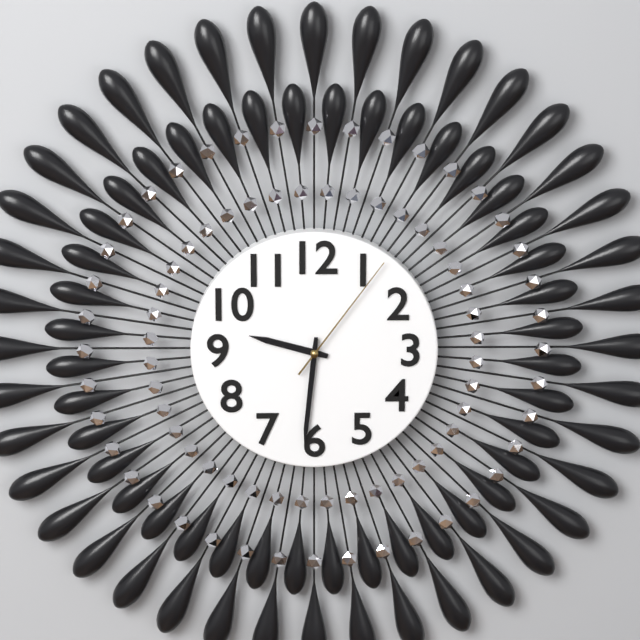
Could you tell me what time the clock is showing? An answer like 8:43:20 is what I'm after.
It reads 9:31:06
